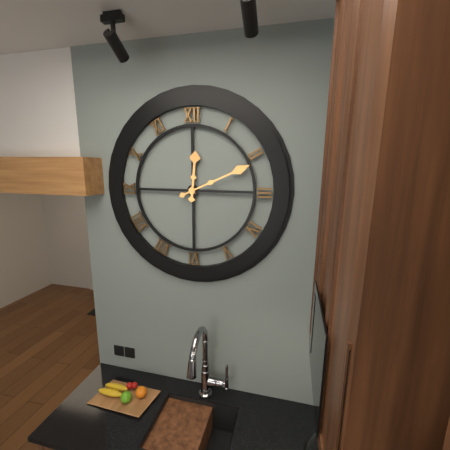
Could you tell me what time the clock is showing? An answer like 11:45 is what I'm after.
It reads 12:11
